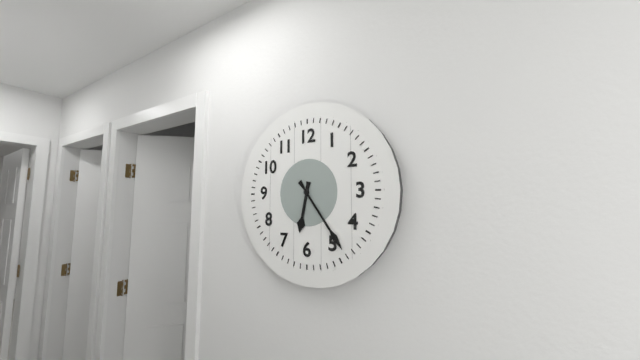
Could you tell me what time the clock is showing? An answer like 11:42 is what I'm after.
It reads 6:24
